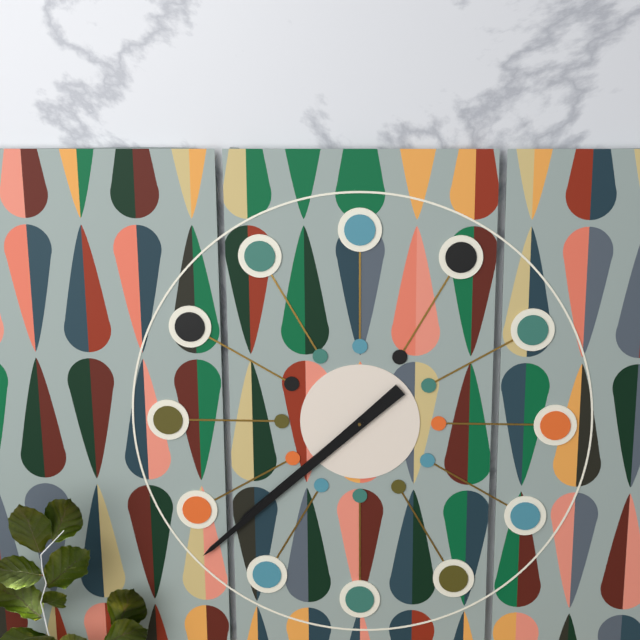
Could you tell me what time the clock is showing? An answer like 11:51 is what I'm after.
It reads 7:38
